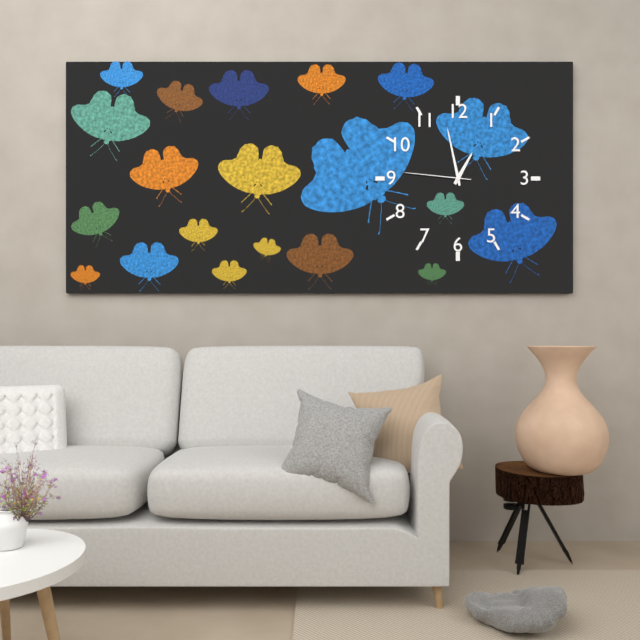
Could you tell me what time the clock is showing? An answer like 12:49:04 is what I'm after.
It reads 12:58:46
